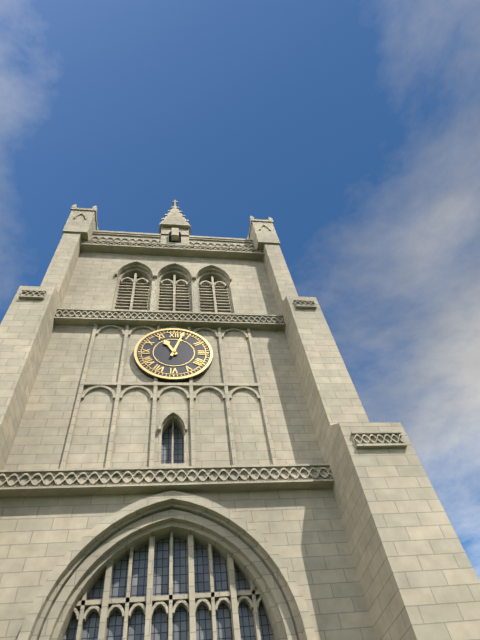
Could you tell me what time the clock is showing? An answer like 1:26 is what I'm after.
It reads 11:03
